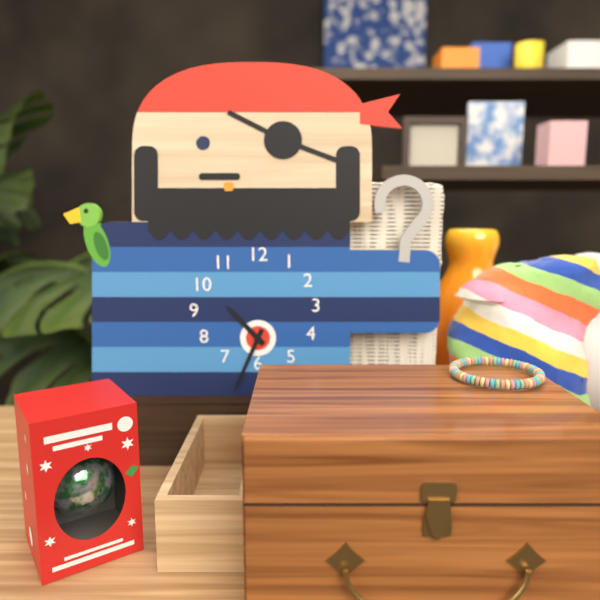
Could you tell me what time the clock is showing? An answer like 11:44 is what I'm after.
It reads 10:34
